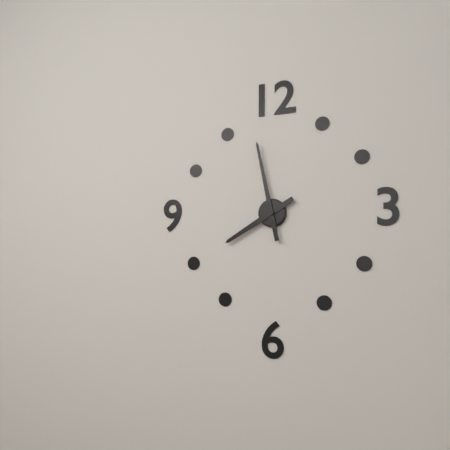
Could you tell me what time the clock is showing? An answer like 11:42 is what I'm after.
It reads 7:58
